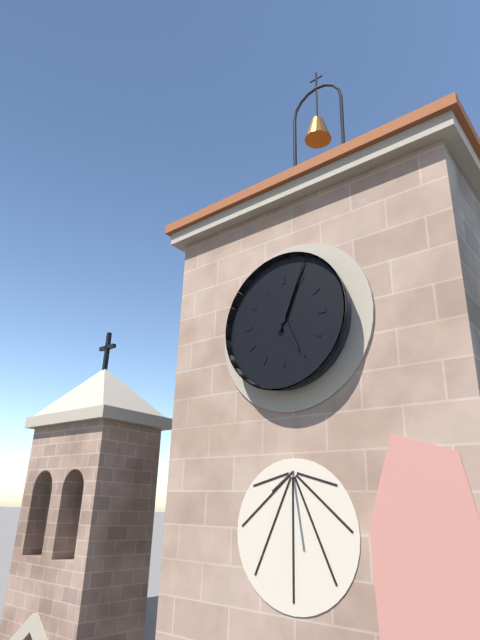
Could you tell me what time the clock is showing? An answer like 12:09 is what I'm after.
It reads 5:04
